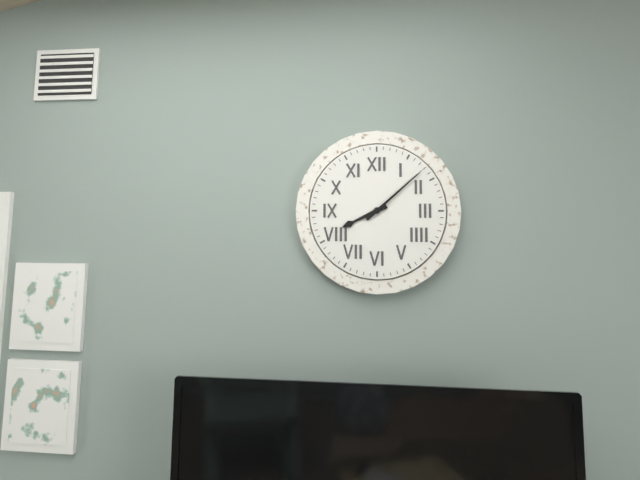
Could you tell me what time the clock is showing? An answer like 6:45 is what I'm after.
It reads 8:08
